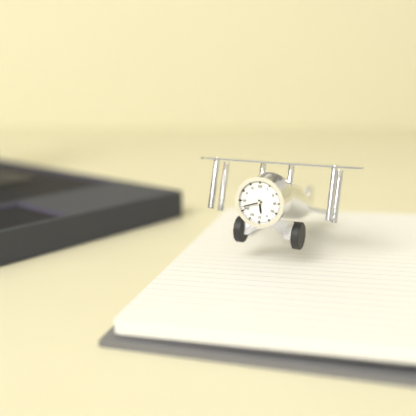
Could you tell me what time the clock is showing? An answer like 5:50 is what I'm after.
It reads 5:42
